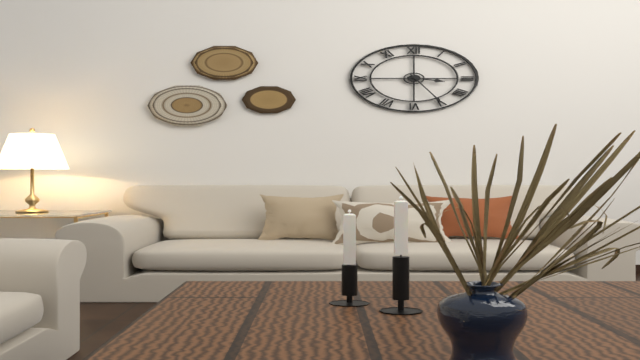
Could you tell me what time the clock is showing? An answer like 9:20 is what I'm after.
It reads 3:25
